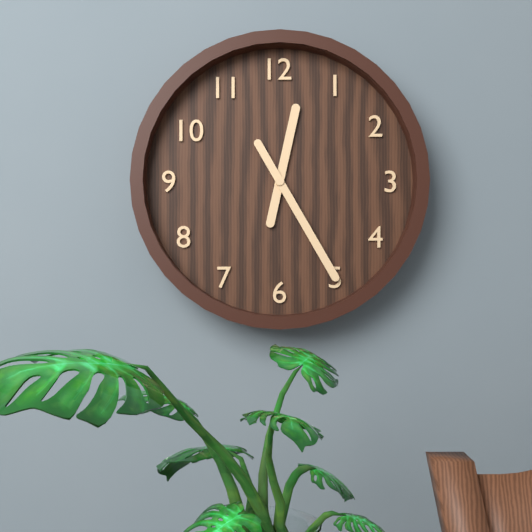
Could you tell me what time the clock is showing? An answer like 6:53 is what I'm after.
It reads 12:25
